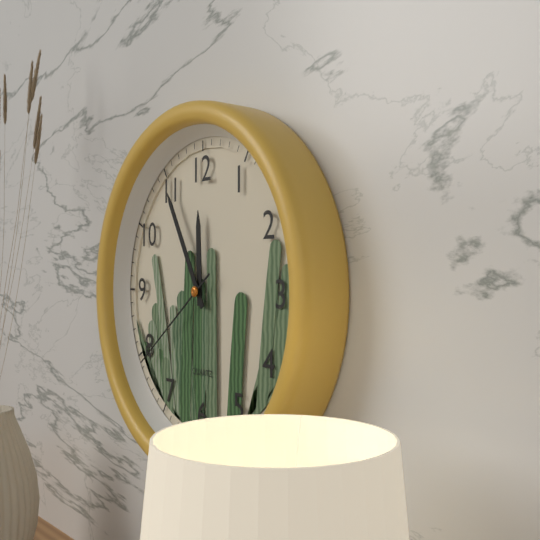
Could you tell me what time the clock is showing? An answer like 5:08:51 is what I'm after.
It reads 11:55:39
